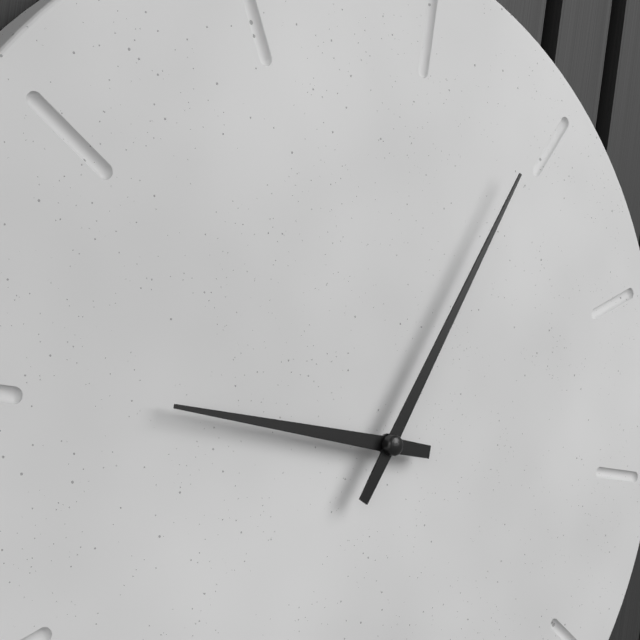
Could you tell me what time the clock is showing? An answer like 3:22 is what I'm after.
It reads 9:04
